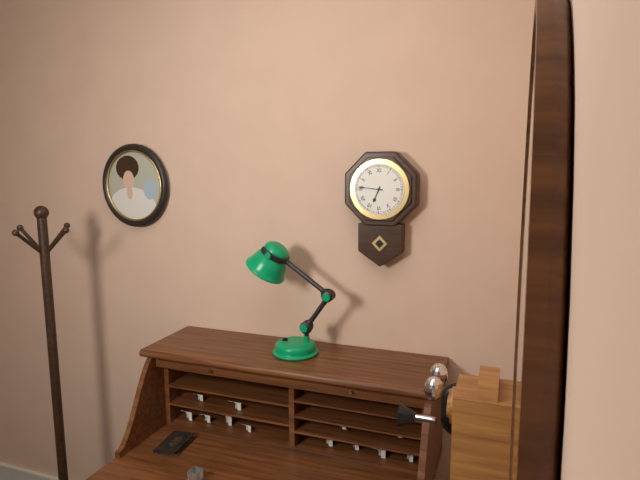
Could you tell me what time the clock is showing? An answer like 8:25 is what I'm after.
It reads 6:46
